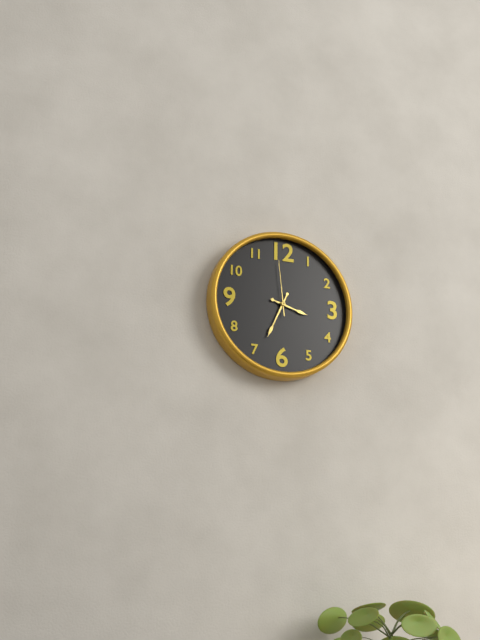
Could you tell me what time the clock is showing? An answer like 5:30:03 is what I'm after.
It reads 3:34:59
